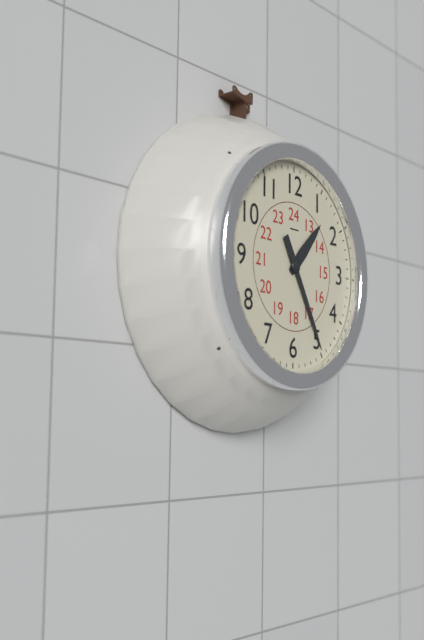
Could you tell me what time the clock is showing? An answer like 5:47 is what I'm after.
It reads 1:25
